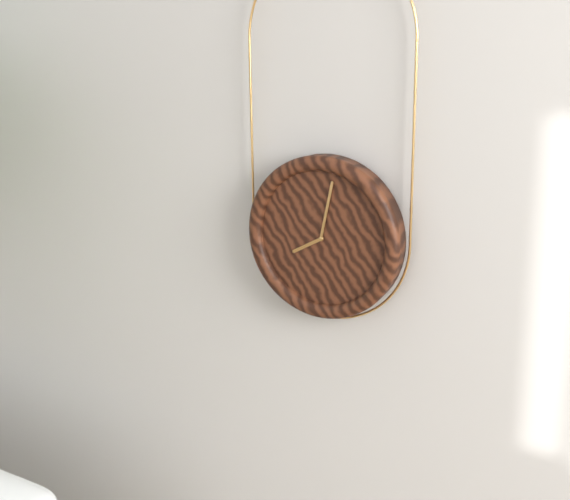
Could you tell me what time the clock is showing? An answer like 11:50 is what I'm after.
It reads 8:02
